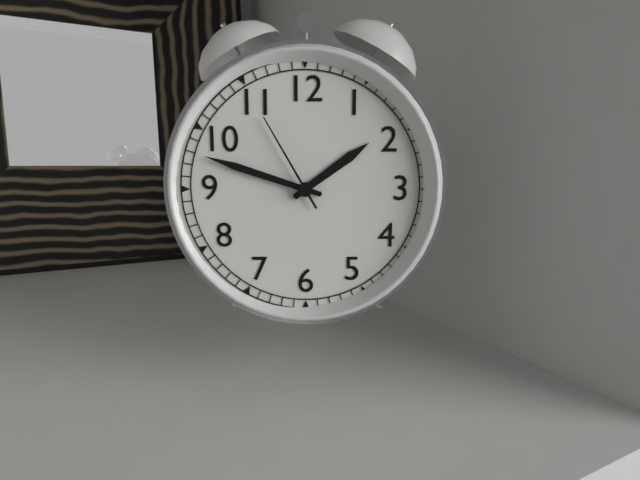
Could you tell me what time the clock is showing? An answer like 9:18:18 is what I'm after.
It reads 1:48:55
